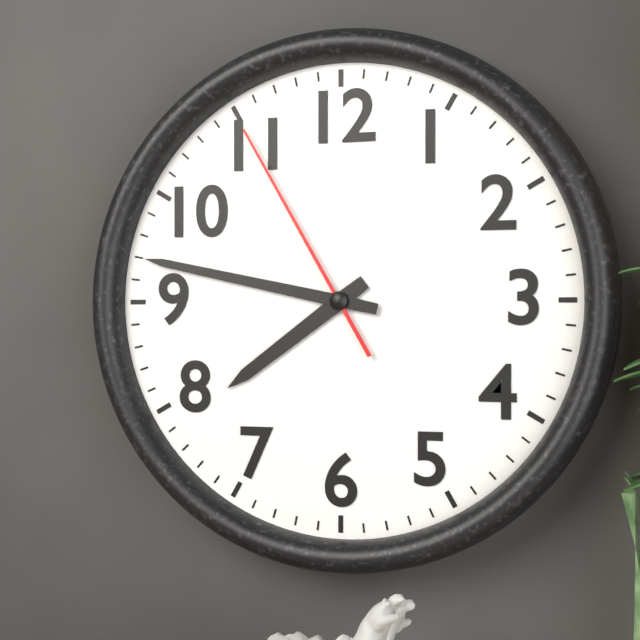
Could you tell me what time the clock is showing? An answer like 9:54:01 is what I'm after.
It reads 7:47:55
